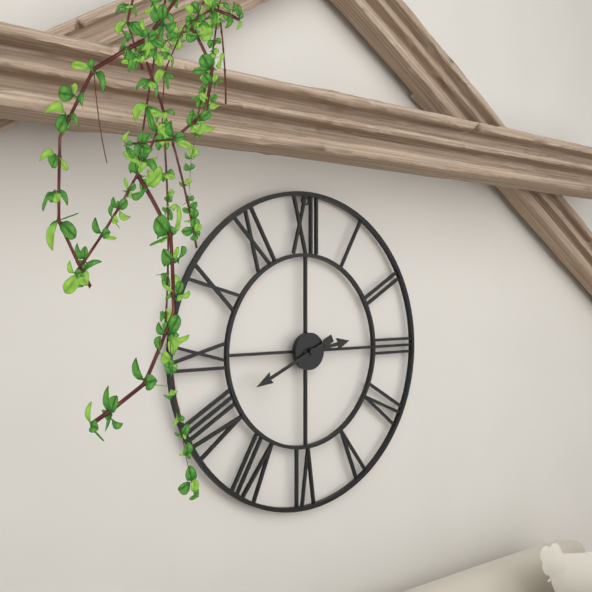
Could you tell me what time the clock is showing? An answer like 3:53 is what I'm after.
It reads 2:41
